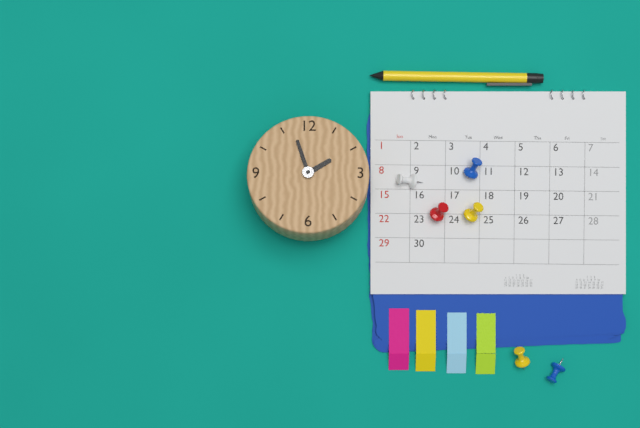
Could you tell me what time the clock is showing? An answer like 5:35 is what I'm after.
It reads 1:57
